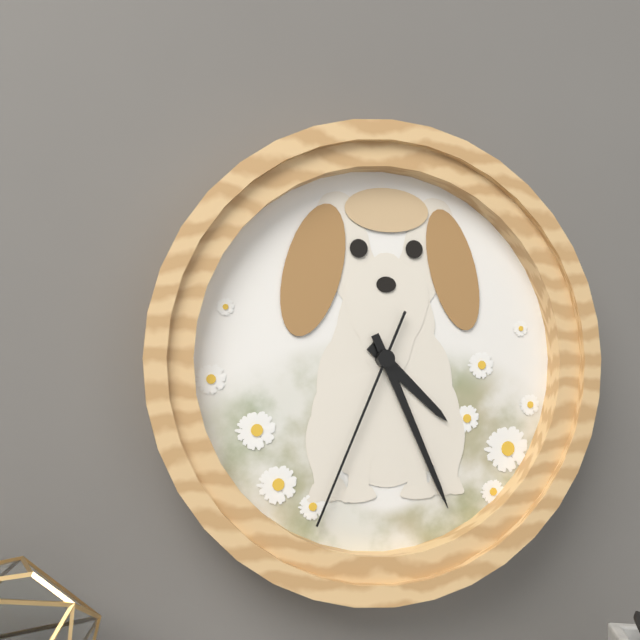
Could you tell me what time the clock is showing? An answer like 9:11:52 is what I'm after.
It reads 4:26:34
